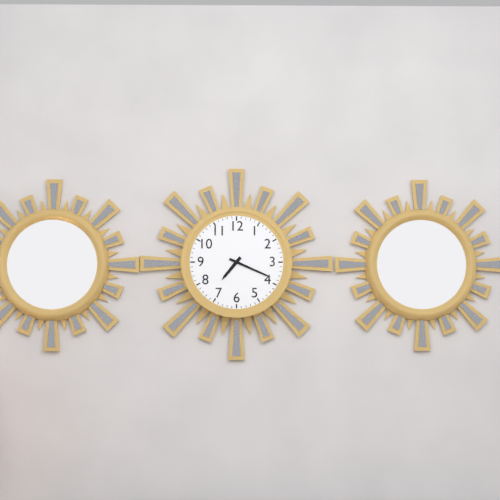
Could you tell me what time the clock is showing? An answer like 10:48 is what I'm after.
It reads 7:19
